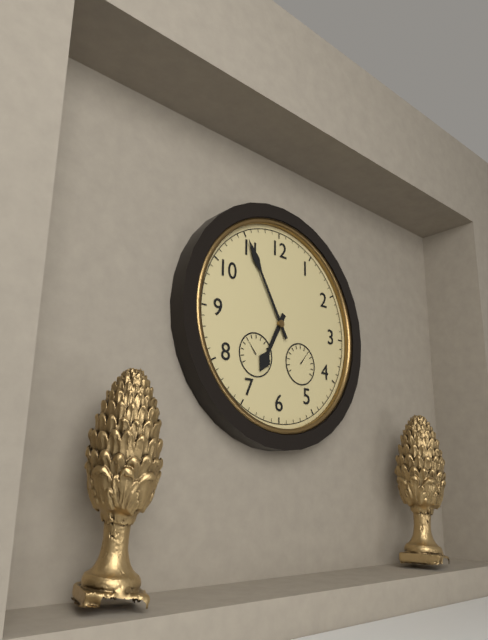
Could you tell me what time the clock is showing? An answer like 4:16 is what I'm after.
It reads 6:55
